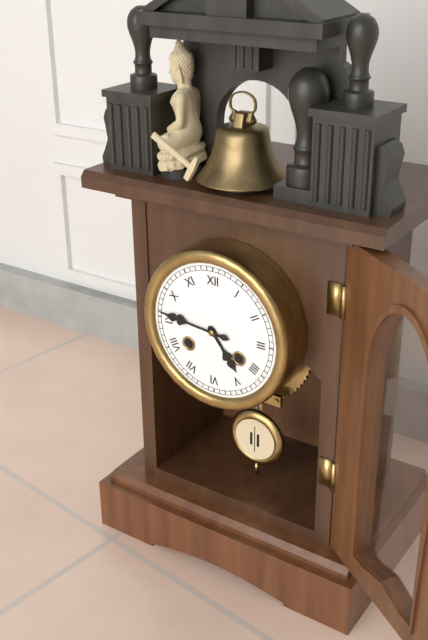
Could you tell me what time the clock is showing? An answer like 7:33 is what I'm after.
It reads 4:46
